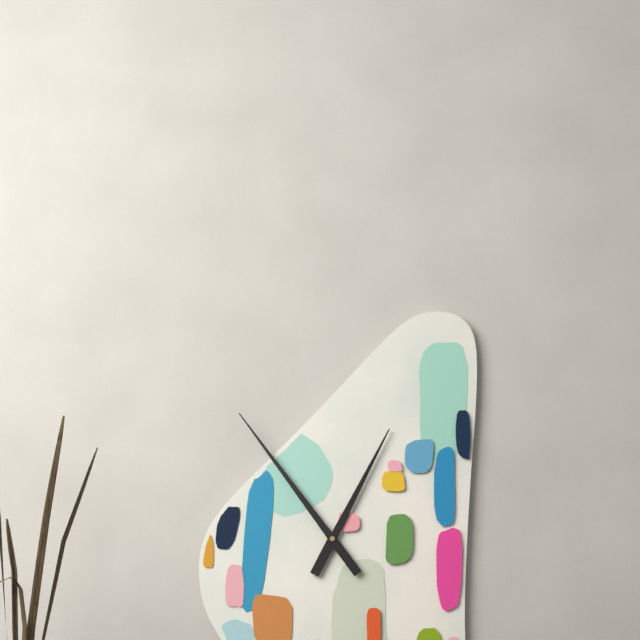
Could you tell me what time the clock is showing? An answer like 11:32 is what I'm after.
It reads 12:54
